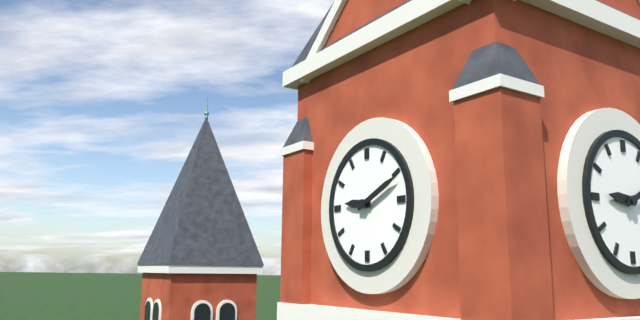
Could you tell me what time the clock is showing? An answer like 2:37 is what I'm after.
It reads 9:11
